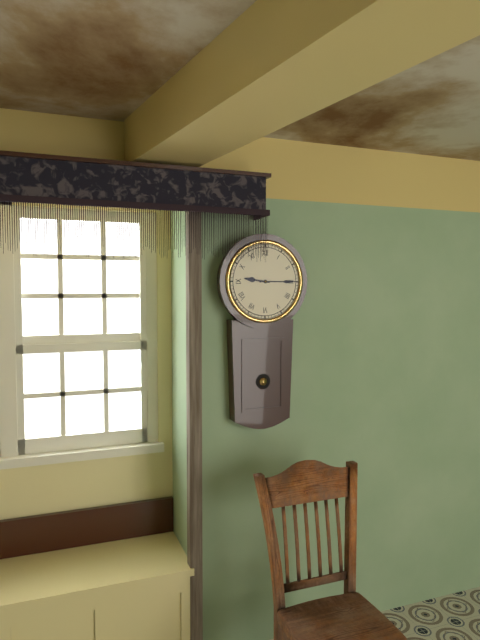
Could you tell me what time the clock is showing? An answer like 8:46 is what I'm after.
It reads 9:15
